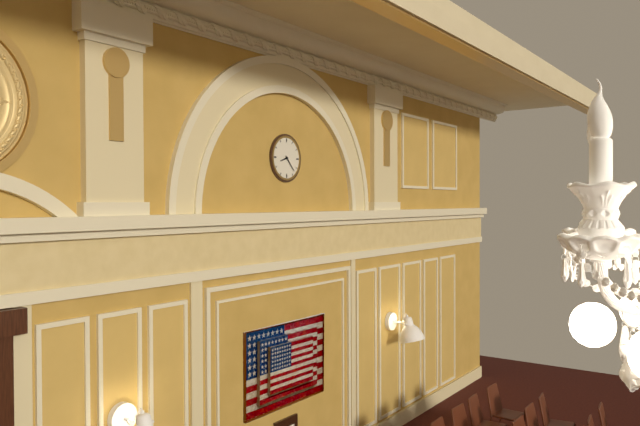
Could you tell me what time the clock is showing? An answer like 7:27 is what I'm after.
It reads 8:23
